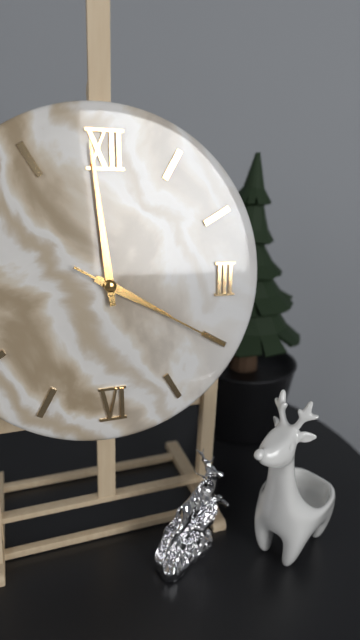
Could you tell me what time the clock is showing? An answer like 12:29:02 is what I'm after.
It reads 3:59:20
